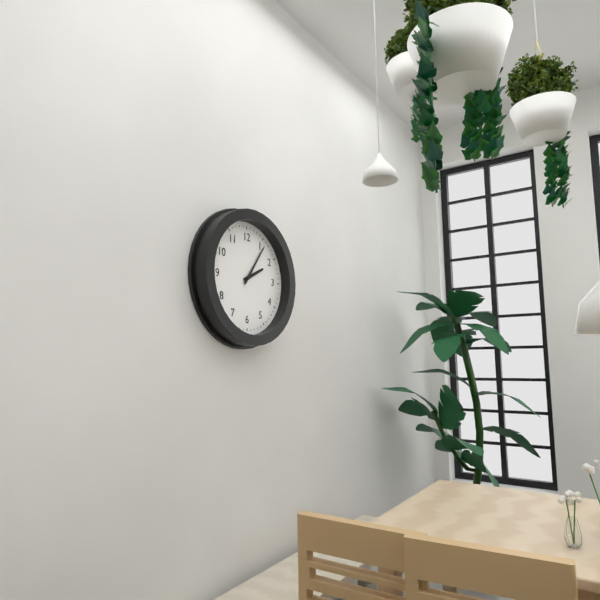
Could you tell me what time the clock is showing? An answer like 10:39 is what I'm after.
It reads 2:06
